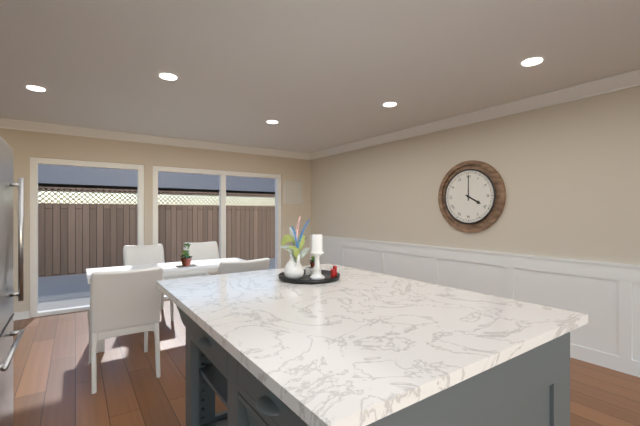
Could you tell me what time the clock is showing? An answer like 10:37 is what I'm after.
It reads 4:00
